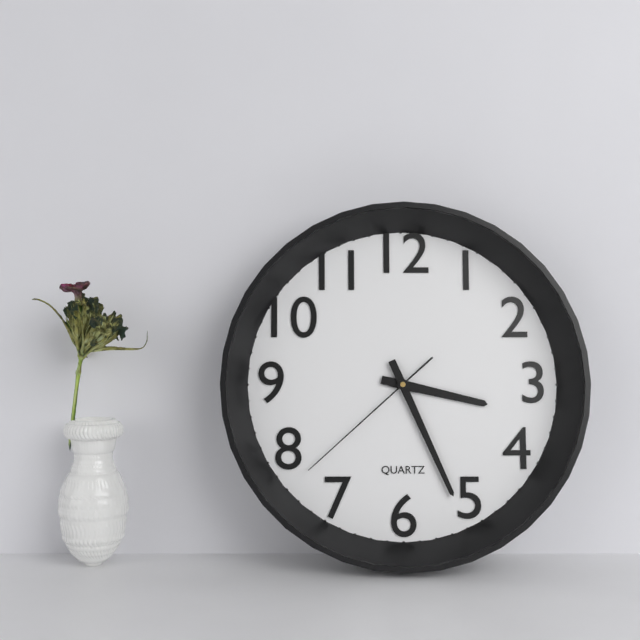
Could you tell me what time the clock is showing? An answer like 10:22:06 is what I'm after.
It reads 3:26:38
